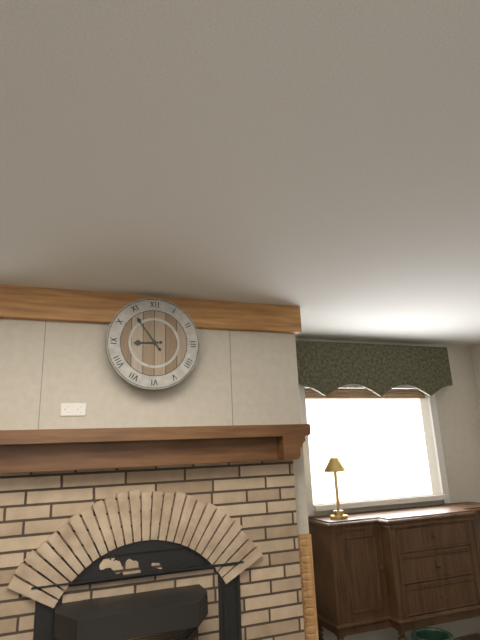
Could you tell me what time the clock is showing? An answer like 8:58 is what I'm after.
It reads 8:54
